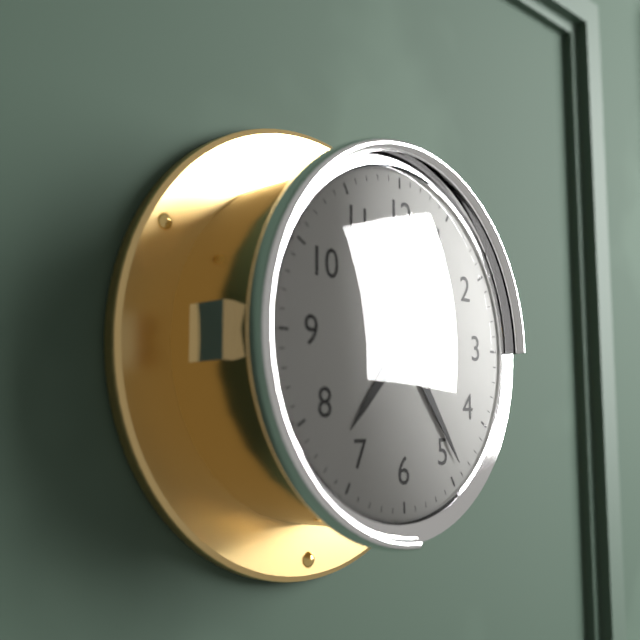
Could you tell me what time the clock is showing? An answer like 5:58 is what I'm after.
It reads 7:24
